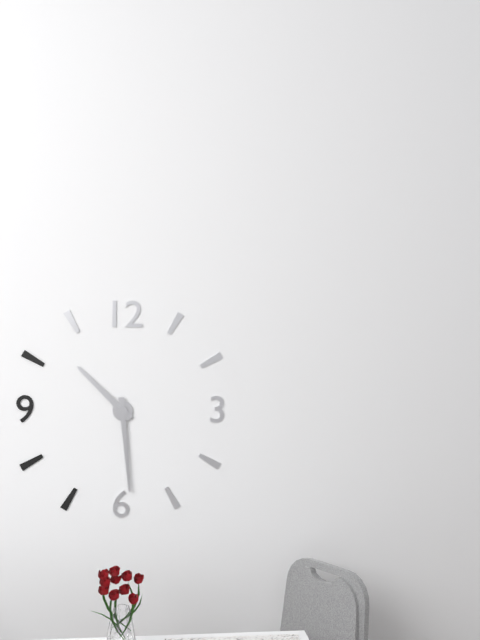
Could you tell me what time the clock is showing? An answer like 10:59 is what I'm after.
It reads 10:29
